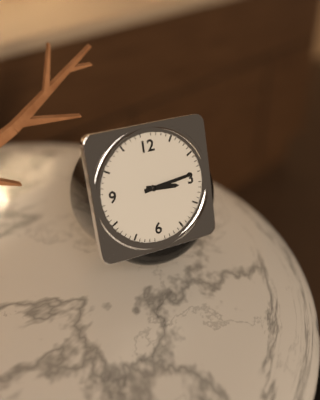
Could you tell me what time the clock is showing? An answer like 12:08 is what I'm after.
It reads 3:14
